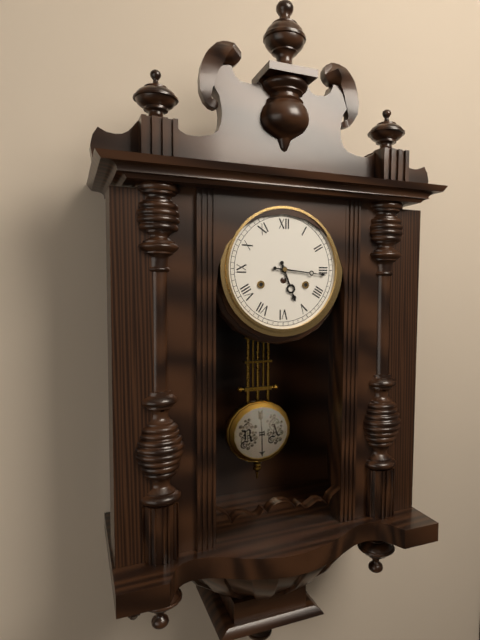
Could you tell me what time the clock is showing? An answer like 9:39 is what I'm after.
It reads 5:16
